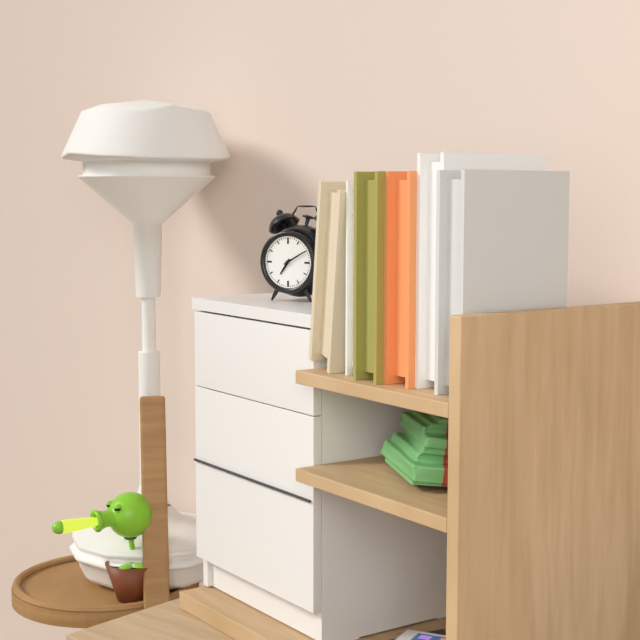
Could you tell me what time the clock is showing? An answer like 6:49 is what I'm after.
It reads 7:10
